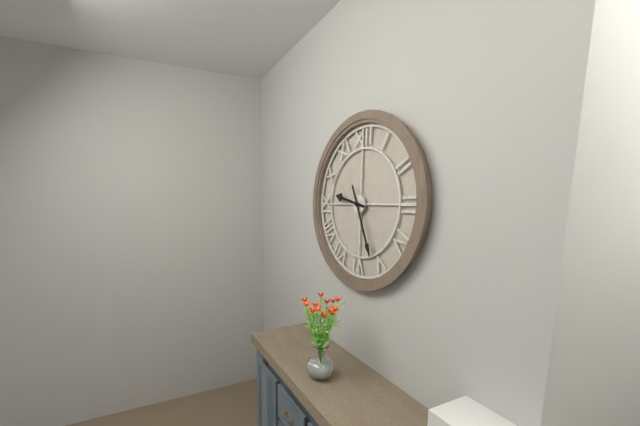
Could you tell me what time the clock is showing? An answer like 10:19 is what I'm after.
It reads 9:26
